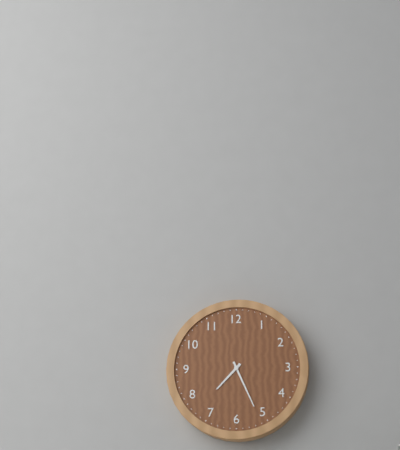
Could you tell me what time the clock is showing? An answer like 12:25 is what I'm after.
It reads 7:26
